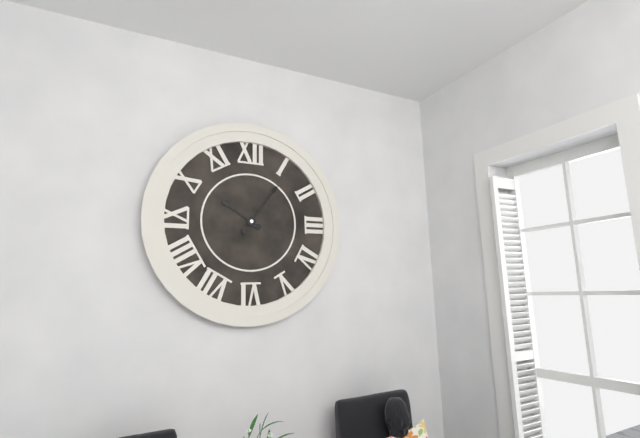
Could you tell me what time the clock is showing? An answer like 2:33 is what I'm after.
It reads 10:06
